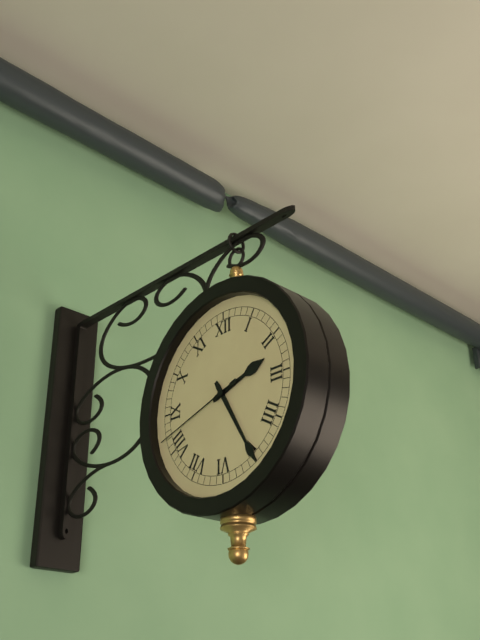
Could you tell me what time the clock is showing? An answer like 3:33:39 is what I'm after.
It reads 2:25:42
